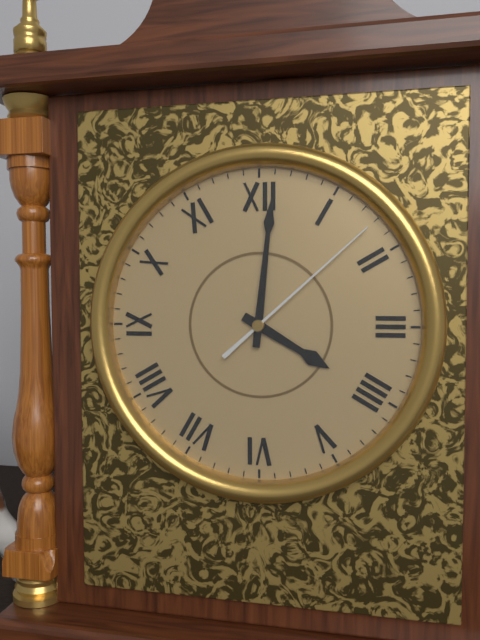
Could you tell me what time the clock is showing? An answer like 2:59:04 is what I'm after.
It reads 4:01:08
